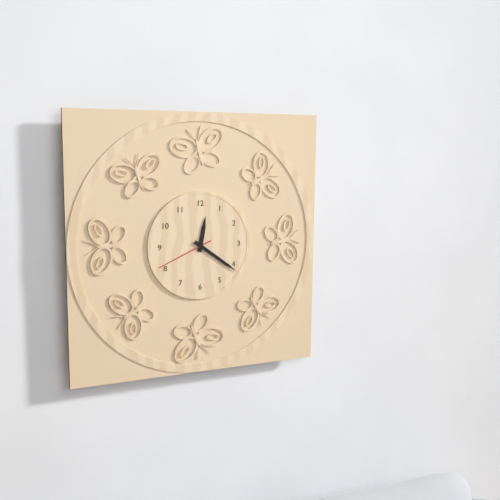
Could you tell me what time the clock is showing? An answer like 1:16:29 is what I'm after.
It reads 12:21:41
